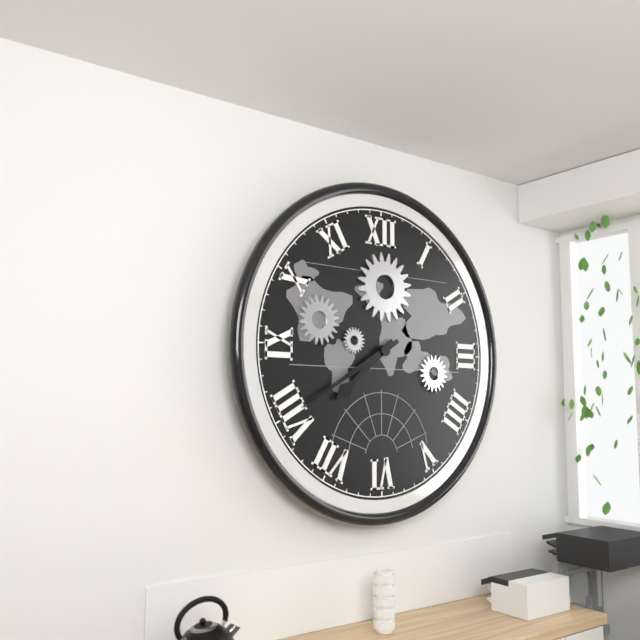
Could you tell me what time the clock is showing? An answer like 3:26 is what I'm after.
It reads 7:40
